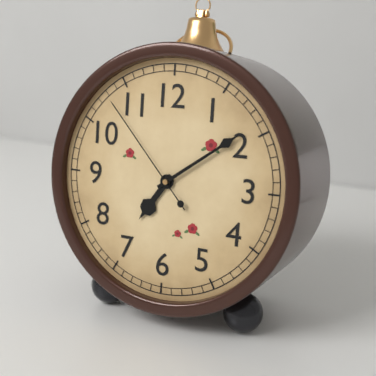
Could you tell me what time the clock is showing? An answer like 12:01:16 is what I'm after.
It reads 7:09:53
